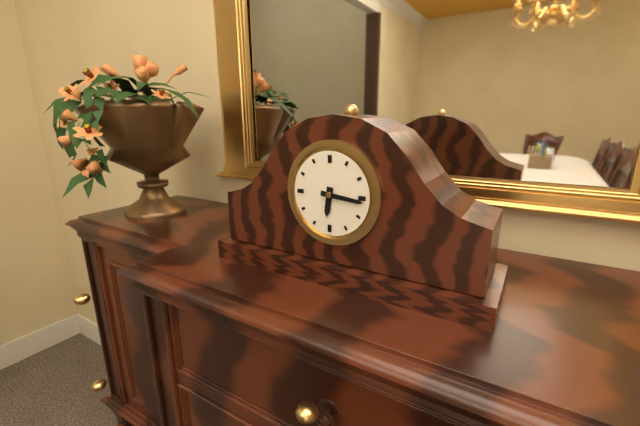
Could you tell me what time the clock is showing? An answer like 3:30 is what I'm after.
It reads 6:16
